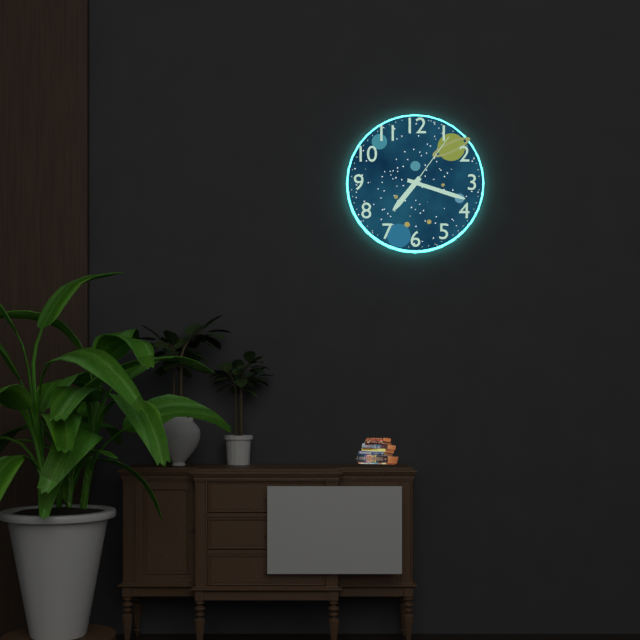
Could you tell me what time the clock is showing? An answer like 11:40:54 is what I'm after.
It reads 7:18:06
